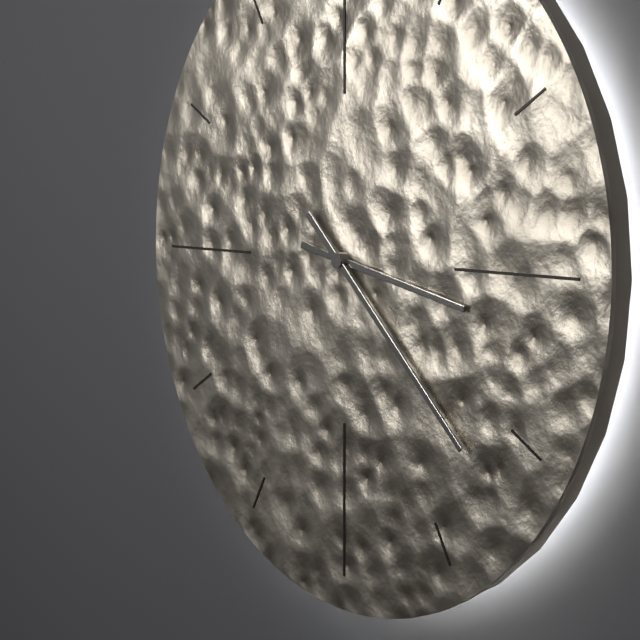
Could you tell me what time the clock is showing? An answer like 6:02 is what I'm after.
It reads 3:22
